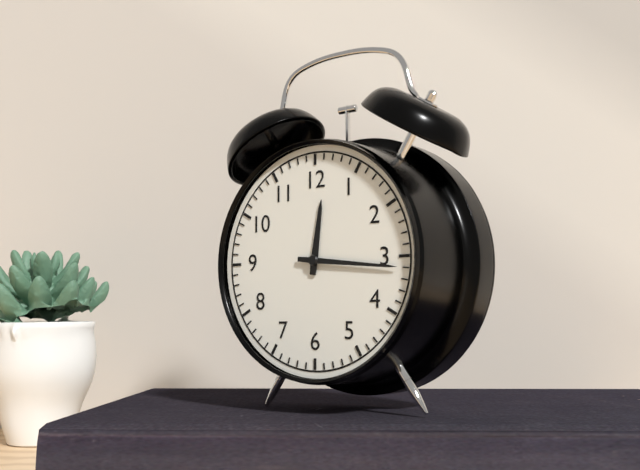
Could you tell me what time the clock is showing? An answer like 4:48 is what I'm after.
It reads 12:16
